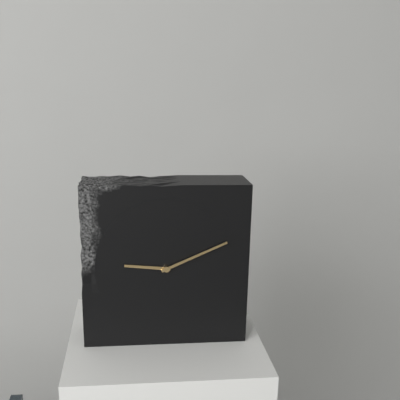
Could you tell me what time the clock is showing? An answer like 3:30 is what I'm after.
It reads 9:11
